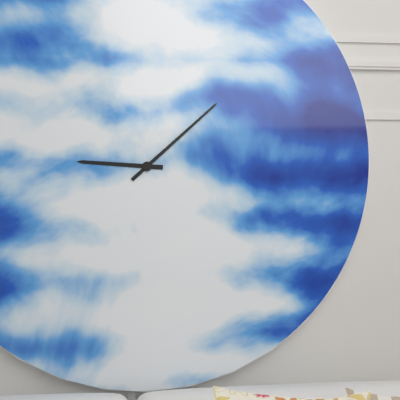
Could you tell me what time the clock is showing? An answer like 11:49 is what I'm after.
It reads 9:08
